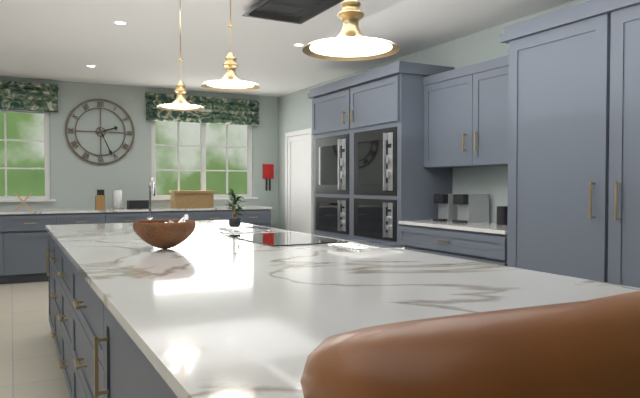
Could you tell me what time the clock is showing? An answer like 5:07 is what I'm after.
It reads 2:26
